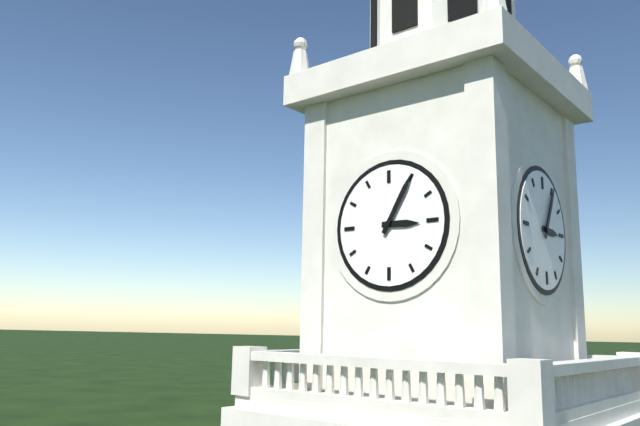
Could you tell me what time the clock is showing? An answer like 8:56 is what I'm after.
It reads 3:05
